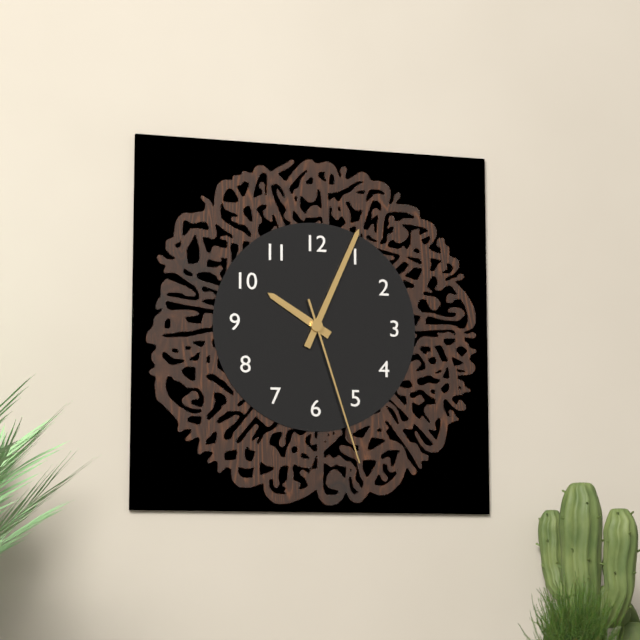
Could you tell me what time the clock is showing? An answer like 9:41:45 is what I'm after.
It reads 10:04:27
